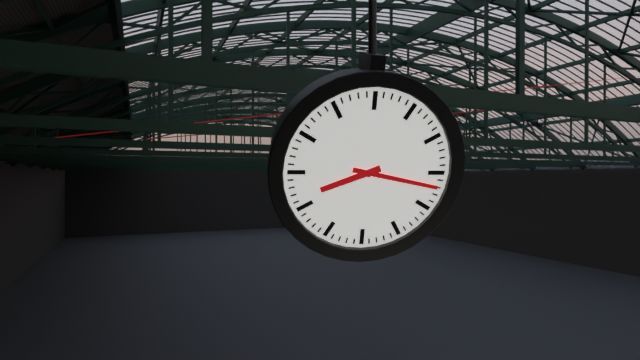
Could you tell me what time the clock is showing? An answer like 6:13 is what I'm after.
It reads 8:17
